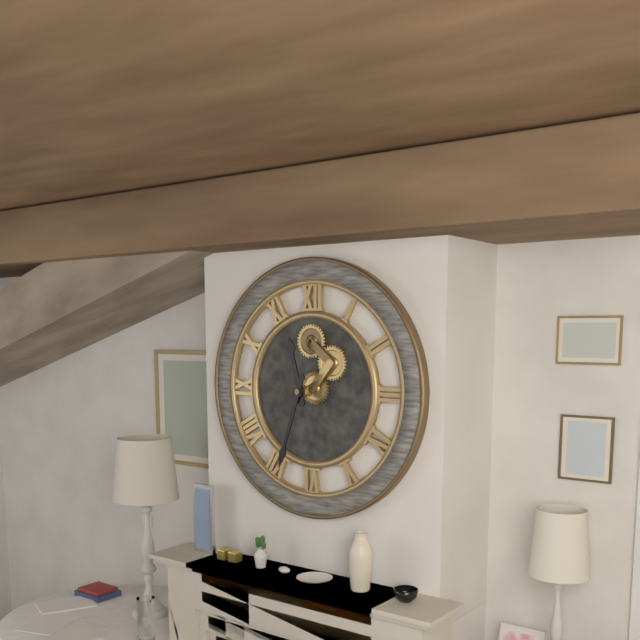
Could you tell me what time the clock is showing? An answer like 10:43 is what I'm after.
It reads 11:33
